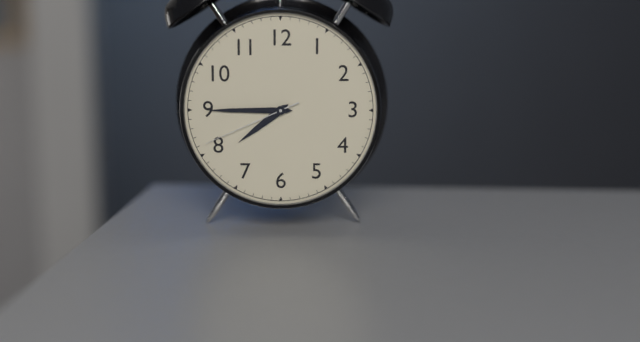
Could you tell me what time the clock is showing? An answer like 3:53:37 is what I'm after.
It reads 7:45:41
